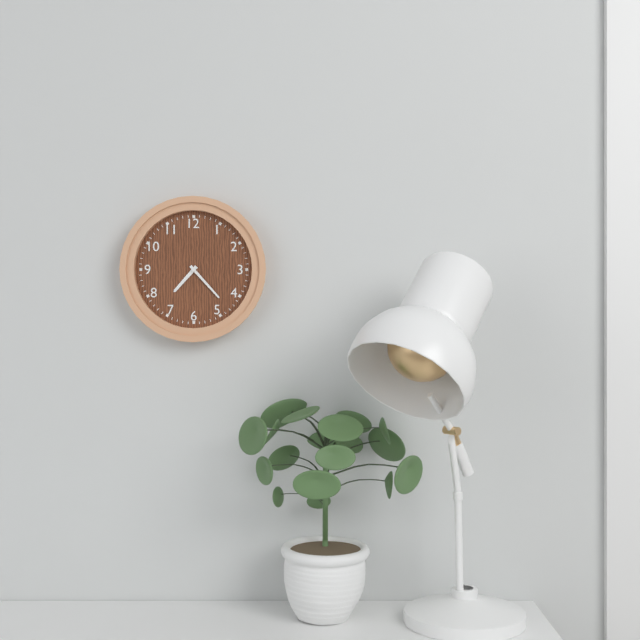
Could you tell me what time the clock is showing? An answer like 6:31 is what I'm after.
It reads 7:23
